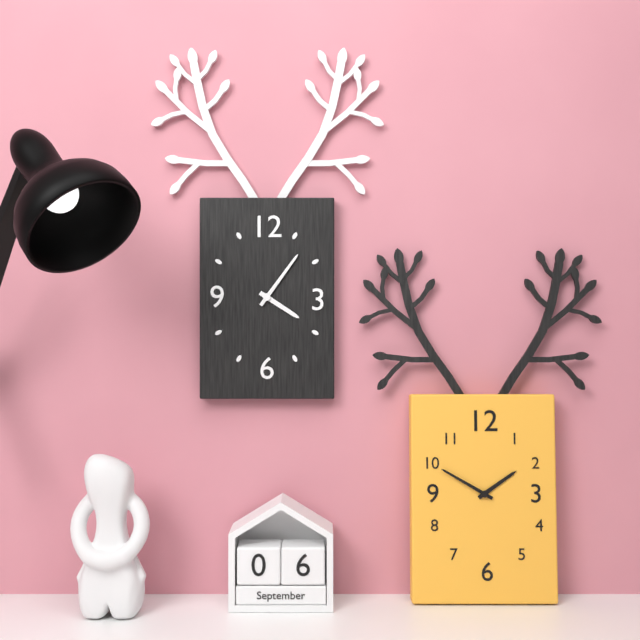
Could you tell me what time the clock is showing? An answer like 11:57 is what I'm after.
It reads 4:06
